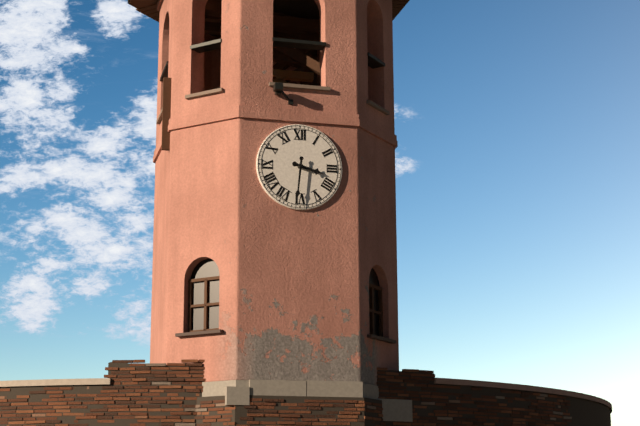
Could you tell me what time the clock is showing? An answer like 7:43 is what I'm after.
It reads 3:31
